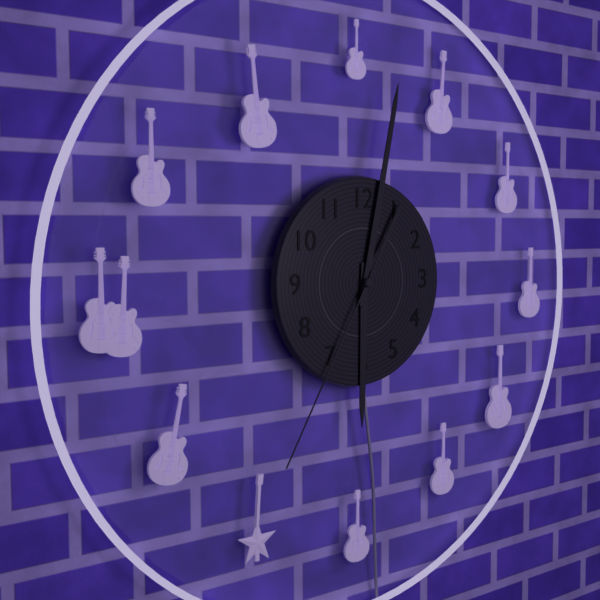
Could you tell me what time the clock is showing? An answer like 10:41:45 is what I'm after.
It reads 6:02:35
